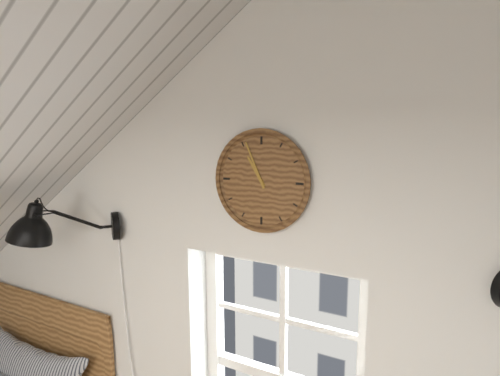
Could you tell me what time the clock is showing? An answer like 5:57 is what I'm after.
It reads 10:56
